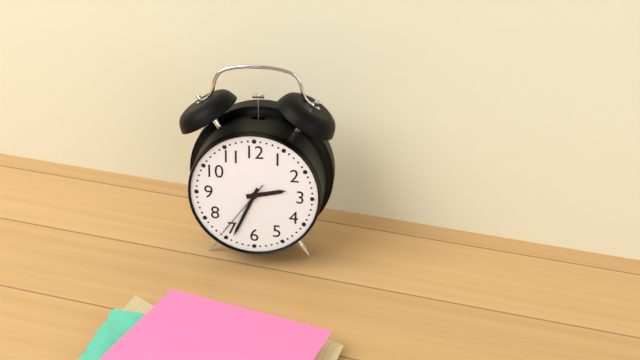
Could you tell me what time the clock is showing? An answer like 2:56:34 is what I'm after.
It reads 2:34:36
